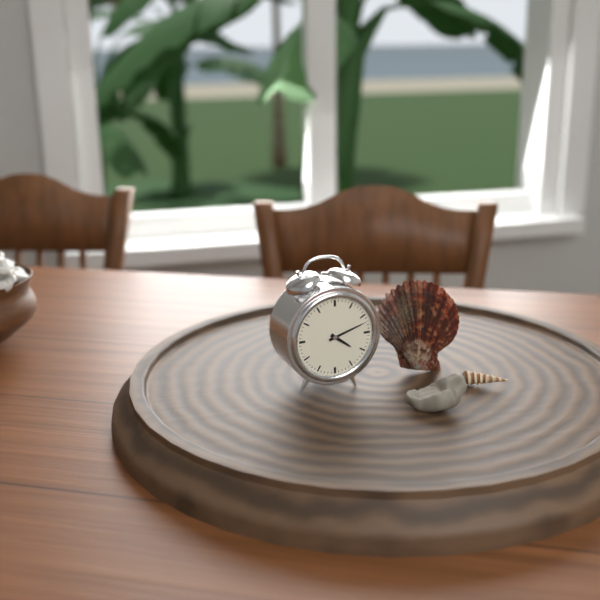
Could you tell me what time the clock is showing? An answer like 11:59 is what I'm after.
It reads 4:12
